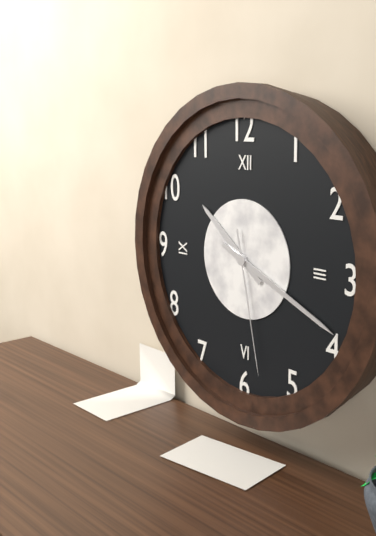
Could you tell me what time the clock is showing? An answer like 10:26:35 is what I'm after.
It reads 10:19:28
